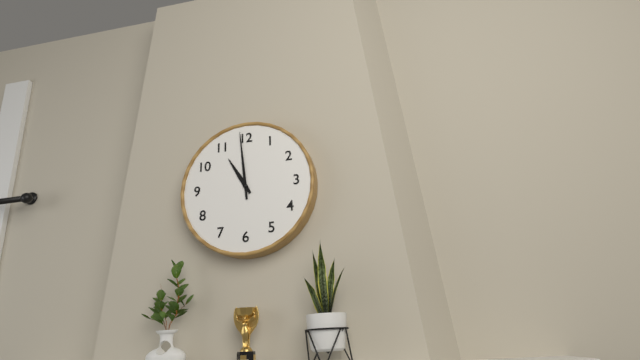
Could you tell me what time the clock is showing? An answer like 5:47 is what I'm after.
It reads 10:59
